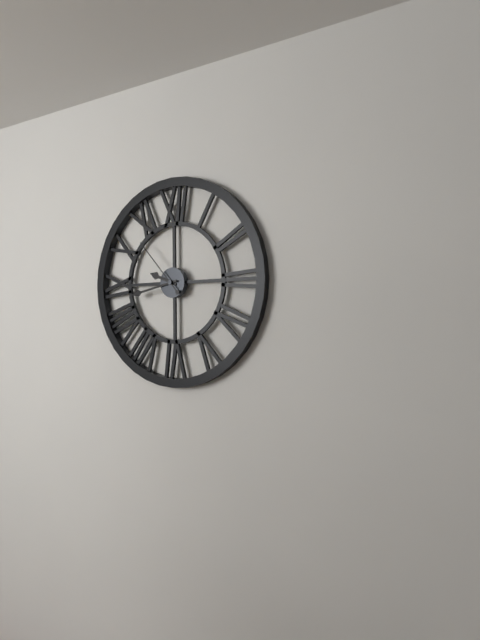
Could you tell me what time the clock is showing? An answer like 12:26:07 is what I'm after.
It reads 9:43:53
